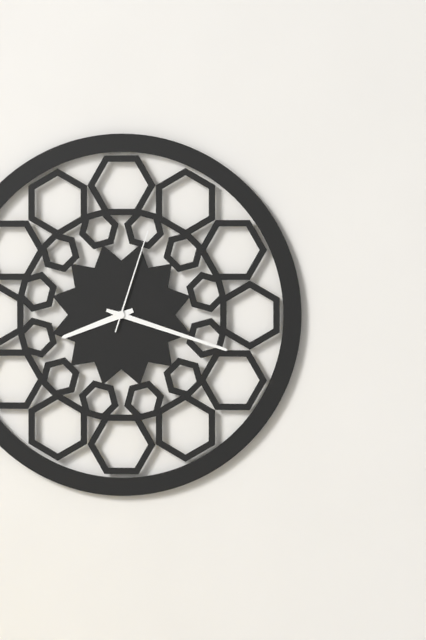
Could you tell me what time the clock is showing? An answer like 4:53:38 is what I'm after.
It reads 8:18:03
